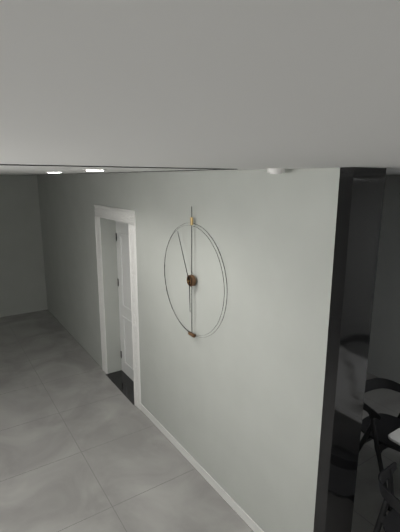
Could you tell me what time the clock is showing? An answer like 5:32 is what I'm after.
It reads 5:56
